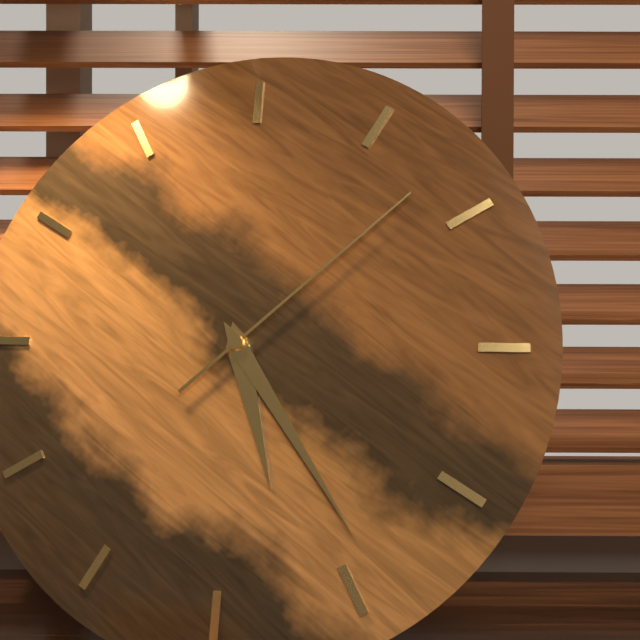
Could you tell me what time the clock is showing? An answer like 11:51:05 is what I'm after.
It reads 5:24:08
